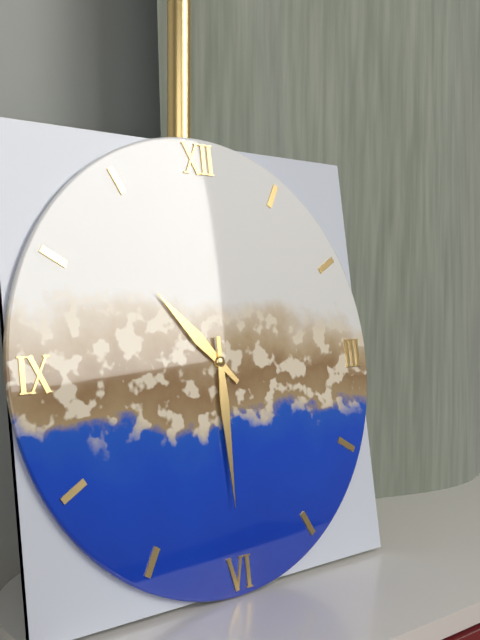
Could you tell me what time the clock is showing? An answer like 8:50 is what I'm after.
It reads 10:30
